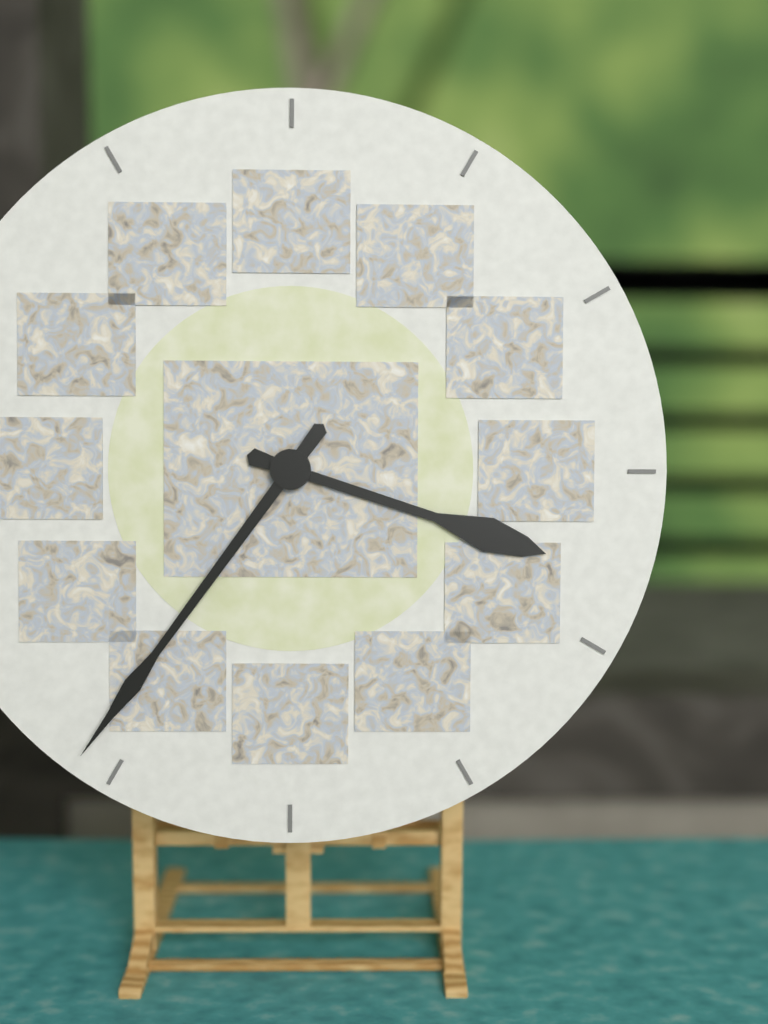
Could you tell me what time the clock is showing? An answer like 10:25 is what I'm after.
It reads 3:36
